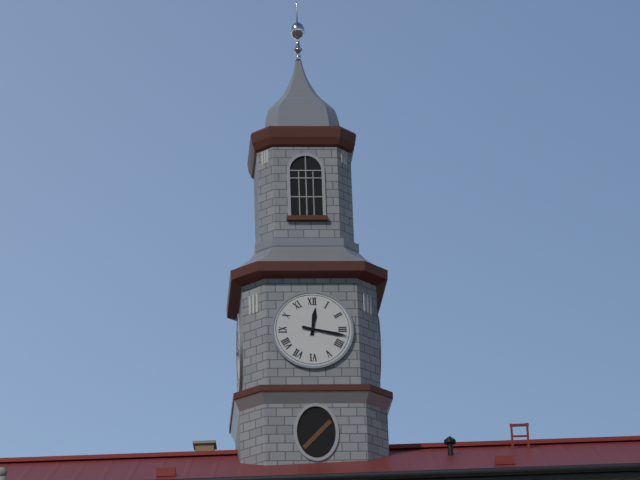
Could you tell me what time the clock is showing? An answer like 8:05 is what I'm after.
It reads 12:17
